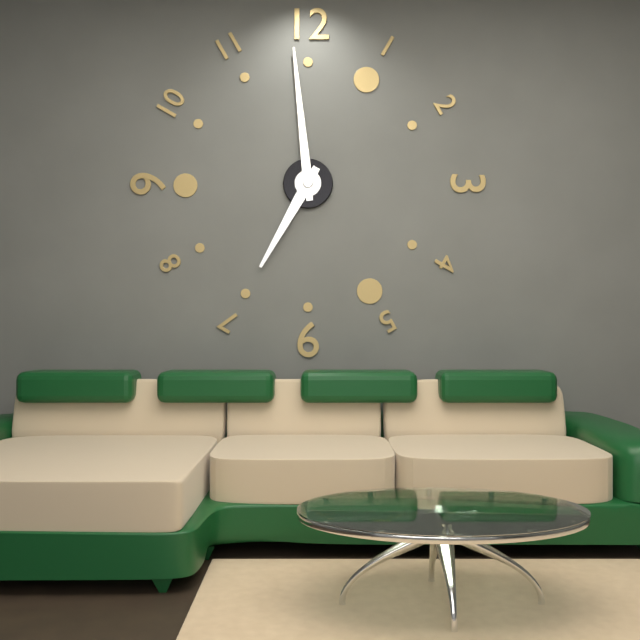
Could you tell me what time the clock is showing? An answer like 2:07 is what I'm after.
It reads 6:59
